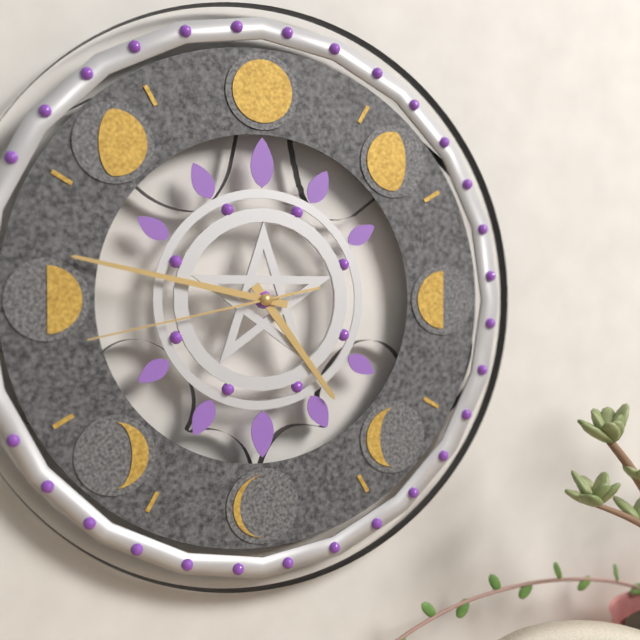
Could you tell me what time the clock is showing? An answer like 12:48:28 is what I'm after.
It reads 4:47:43
